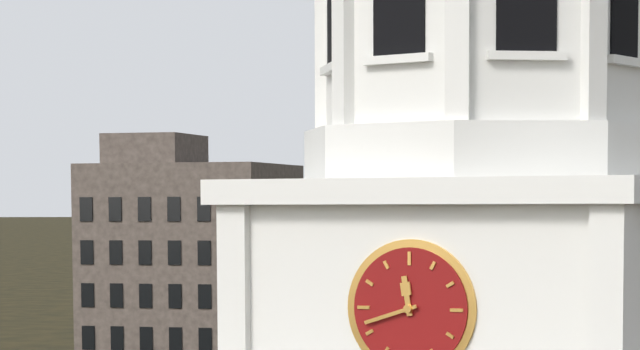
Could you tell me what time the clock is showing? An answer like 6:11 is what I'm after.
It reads 11:42
